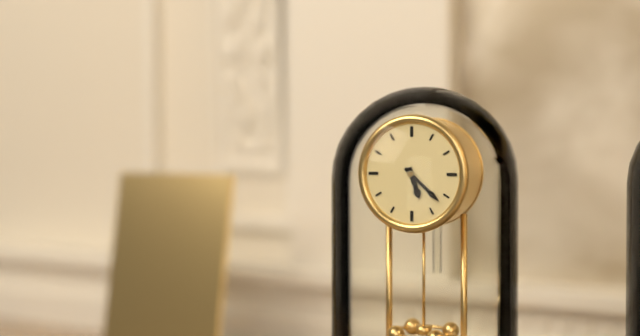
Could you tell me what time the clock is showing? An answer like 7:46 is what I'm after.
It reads 5:22
